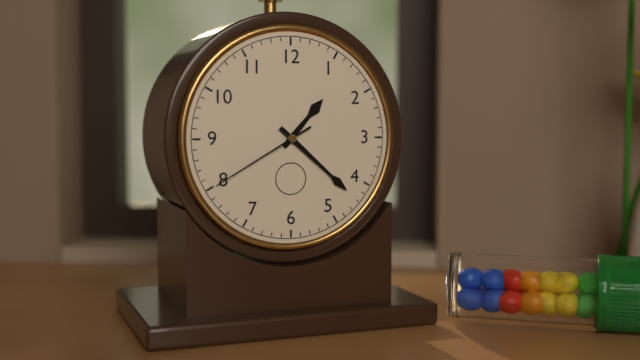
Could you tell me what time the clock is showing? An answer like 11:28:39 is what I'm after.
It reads 1:22:40
